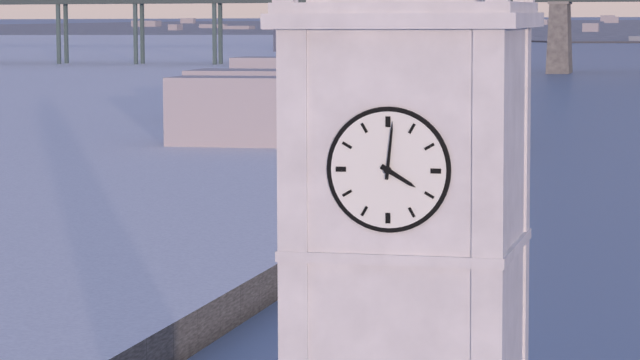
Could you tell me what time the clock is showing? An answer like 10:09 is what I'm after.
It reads 4:01
